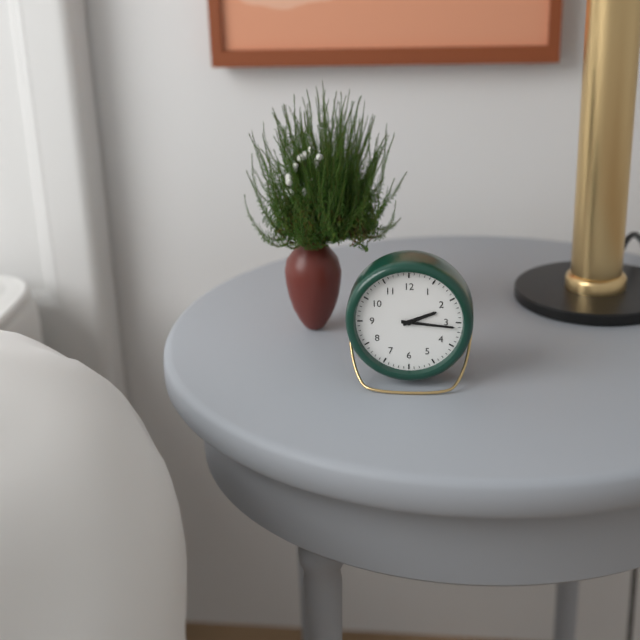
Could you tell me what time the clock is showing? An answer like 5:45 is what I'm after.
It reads 2:16
